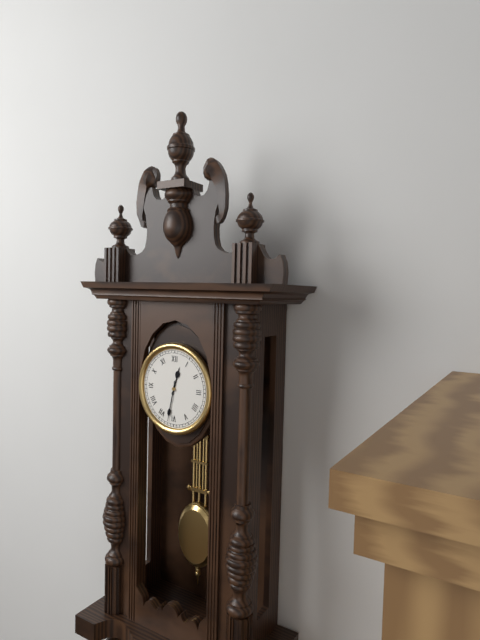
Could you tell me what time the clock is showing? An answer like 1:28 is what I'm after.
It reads 12:32
